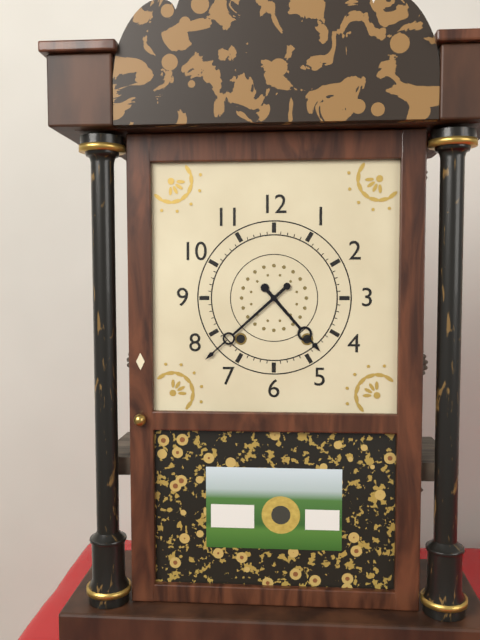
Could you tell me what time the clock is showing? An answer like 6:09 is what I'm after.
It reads 4:38
